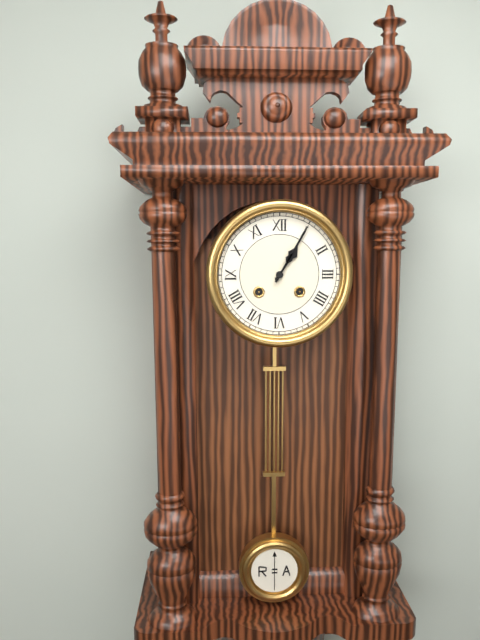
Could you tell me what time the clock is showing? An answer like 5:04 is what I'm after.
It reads 1:05
